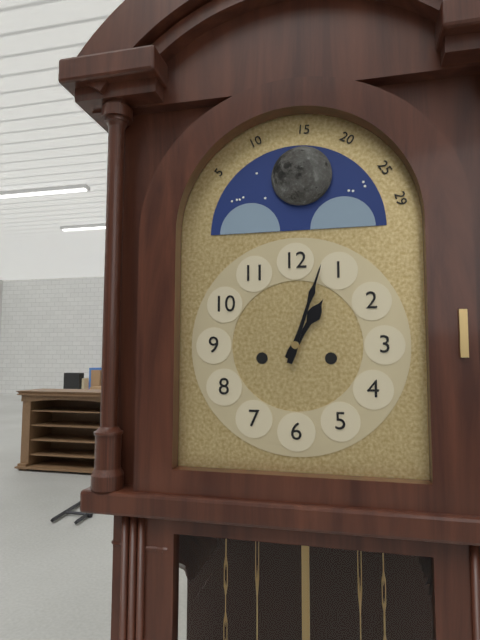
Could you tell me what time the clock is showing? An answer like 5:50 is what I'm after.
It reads 1:03
